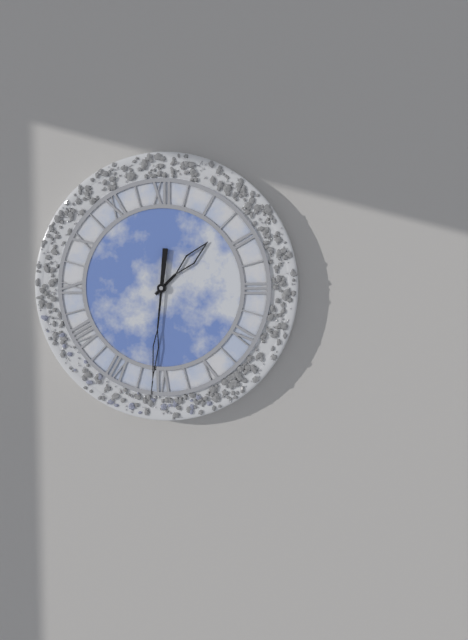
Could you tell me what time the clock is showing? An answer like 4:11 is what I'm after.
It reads 1:31
